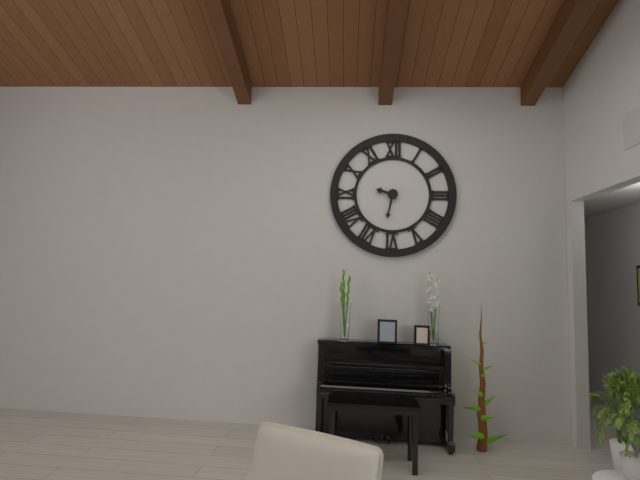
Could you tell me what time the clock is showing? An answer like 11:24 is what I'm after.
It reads 9:32
